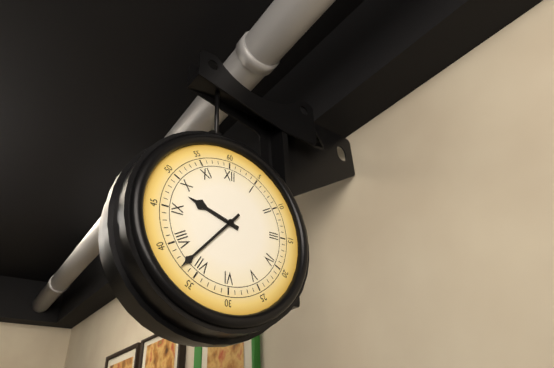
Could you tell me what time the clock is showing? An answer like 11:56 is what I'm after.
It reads 9:37
